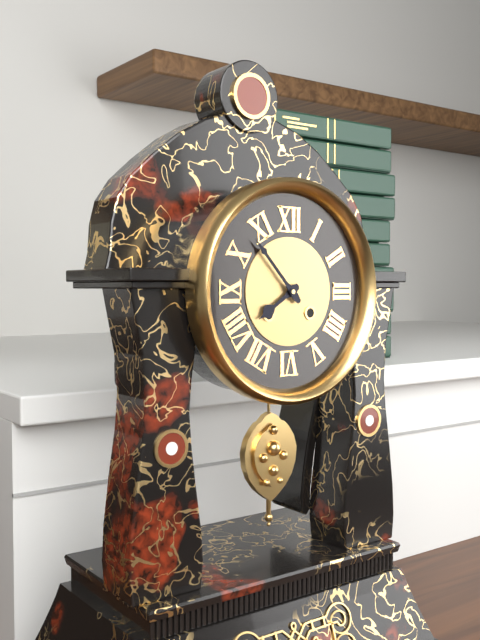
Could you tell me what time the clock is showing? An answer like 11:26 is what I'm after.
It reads 7:53
